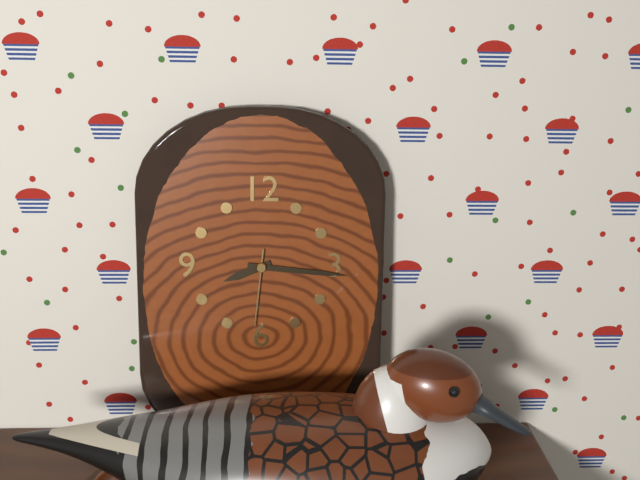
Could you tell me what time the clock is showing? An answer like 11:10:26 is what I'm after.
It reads 8:16:31
